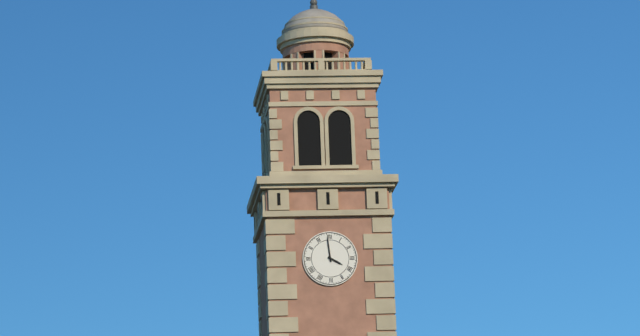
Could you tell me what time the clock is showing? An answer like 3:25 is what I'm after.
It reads 3:59
